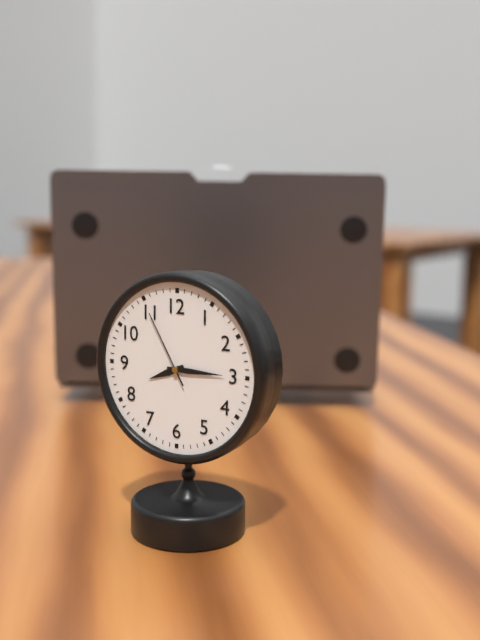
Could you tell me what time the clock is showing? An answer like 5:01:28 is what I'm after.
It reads 8:15:55
